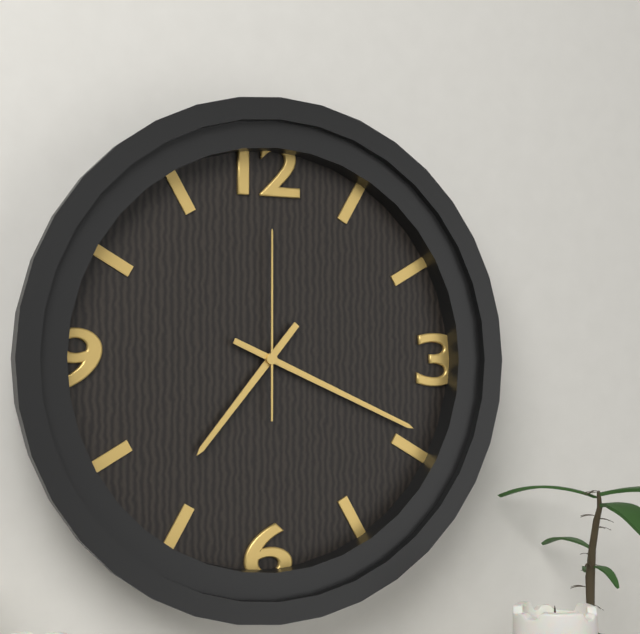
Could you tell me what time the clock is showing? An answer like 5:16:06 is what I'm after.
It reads 7:19:00
